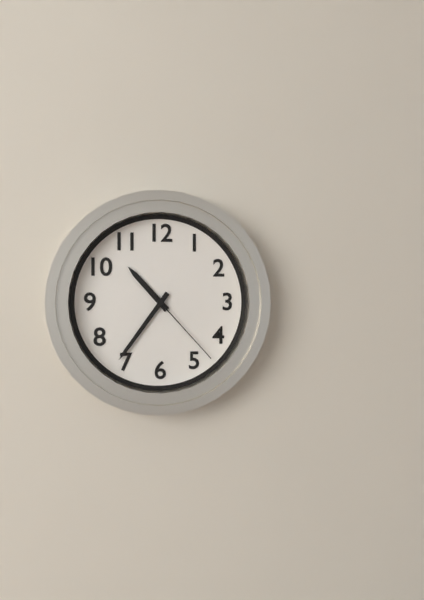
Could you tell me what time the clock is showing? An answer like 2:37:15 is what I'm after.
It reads 10:36:23
